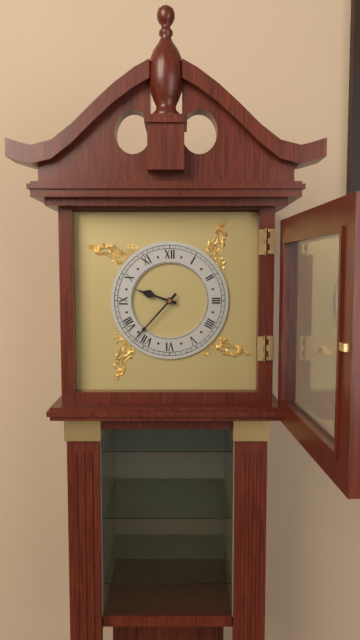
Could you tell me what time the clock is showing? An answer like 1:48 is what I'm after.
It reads 9:37
